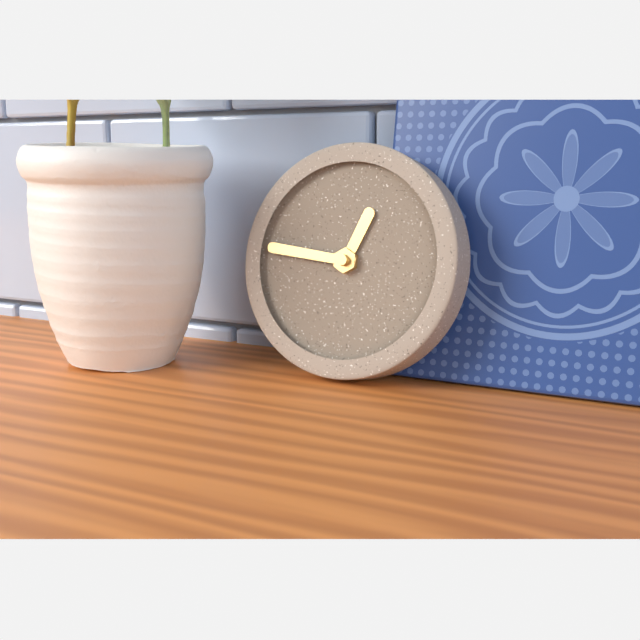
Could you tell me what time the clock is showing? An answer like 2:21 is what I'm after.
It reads 12:46
